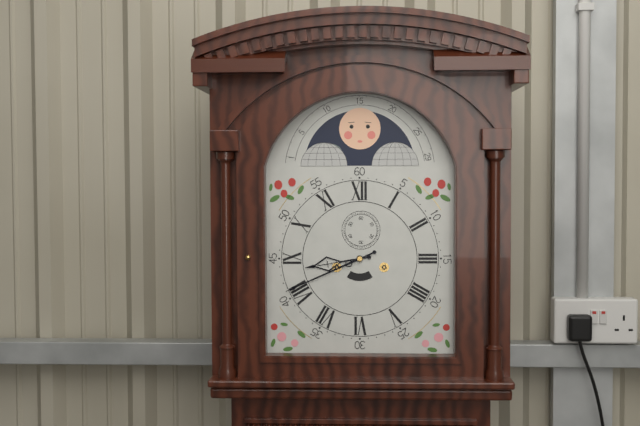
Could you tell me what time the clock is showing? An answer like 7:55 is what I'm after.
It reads 8:41
